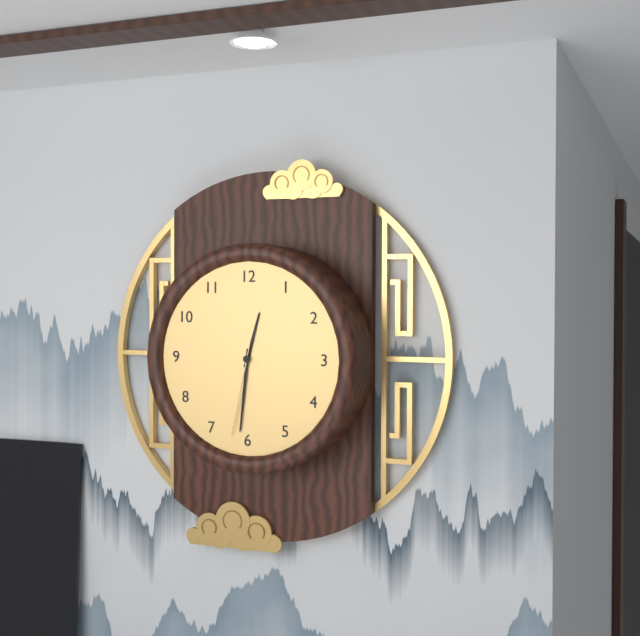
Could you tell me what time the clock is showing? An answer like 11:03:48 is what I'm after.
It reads 12:31:32
